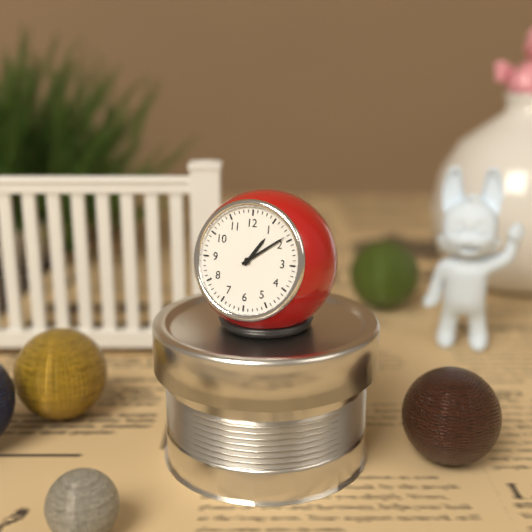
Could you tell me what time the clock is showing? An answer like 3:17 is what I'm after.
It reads 1:09
